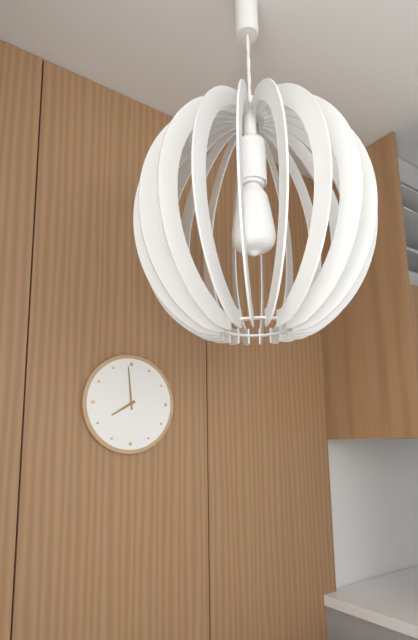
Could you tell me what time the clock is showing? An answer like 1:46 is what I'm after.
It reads 7:59
